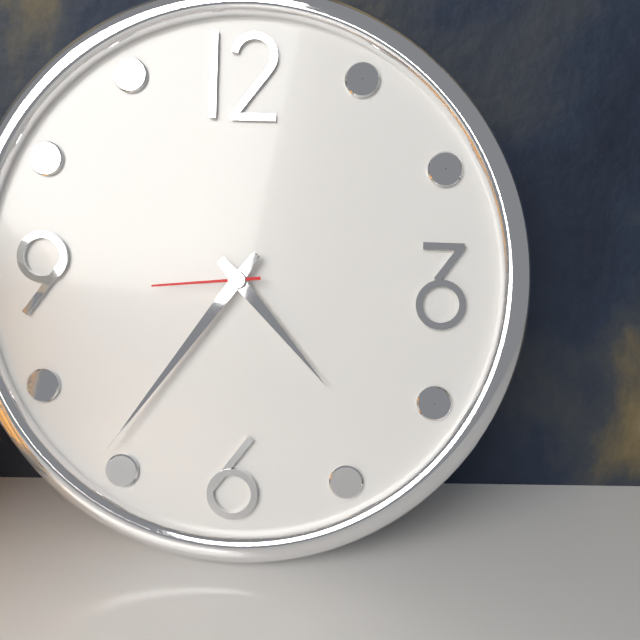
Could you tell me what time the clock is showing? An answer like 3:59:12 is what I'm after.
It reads 4:36:44
